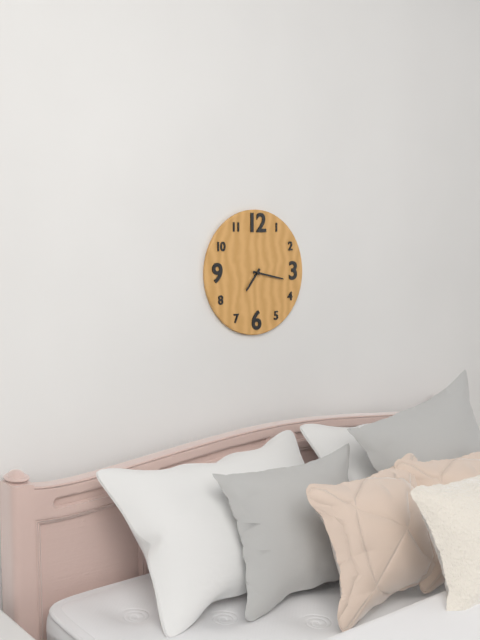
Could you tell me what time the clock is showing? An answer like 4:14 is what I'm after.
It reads 7:17
